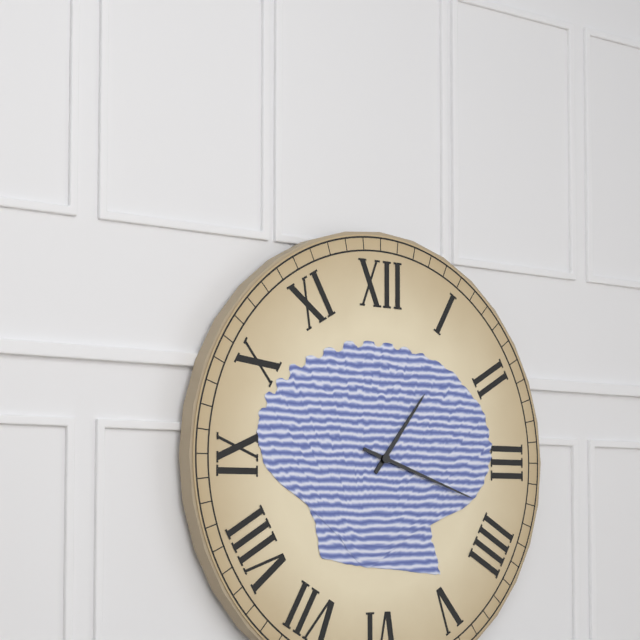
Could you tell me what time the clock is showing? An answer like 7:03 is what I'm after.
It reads 1:18
